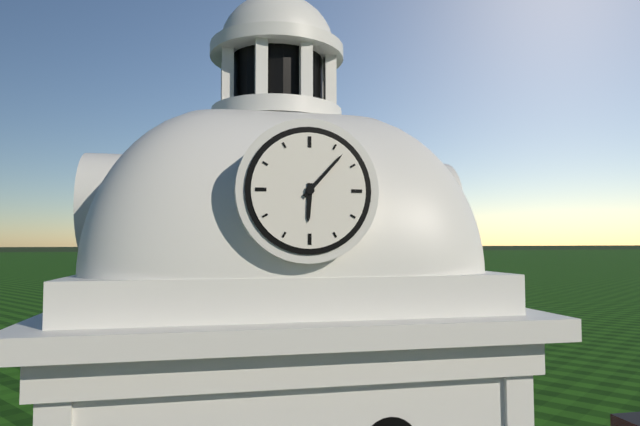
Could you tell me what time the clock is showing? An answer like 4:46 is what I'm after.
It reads 6:07
